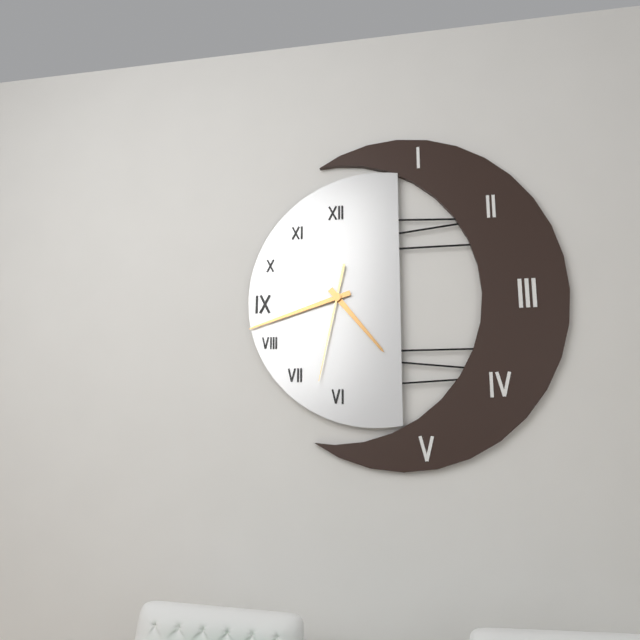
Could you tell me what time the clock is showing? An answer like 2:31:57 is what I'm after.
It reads 4:42:32
